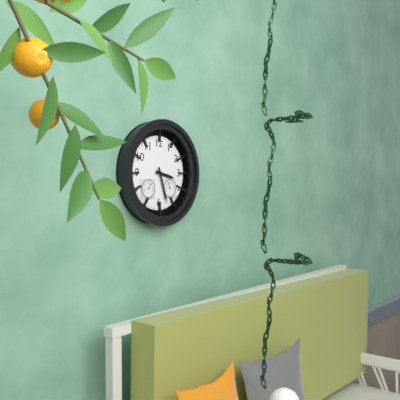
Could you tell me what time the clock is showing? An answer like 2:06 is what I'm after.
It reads 3:27
